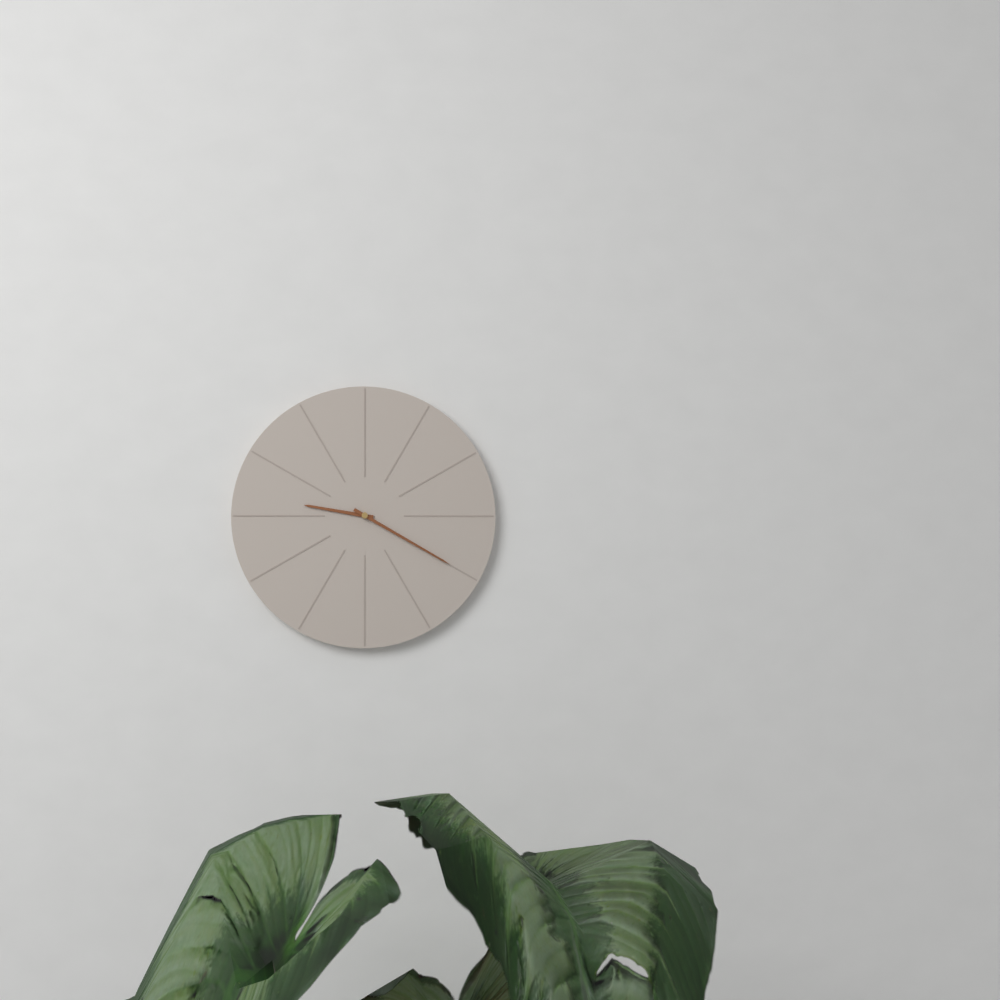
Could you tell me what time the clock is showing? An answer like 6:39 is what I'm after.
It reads 9:20
